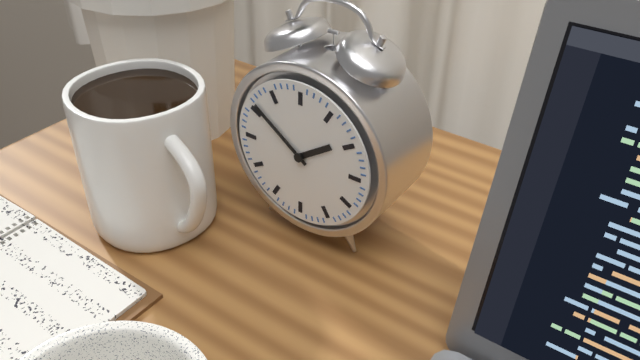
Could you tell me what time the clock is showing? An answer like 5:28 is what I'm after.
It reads 1:51
